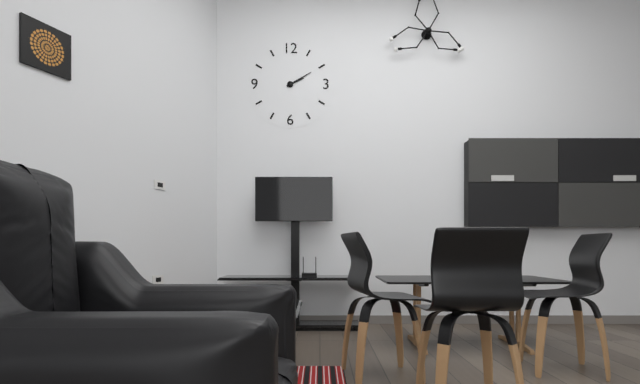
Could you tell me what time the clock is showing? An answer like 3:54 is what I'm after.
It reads 2:10
